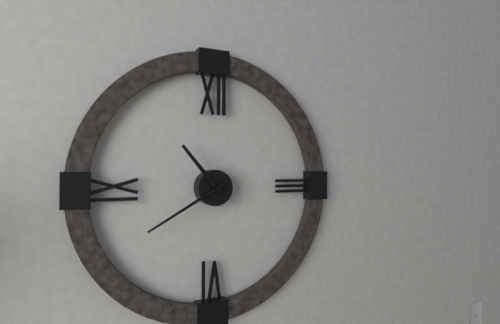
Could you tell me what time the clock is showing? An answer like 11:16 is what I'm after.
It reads 10:40
